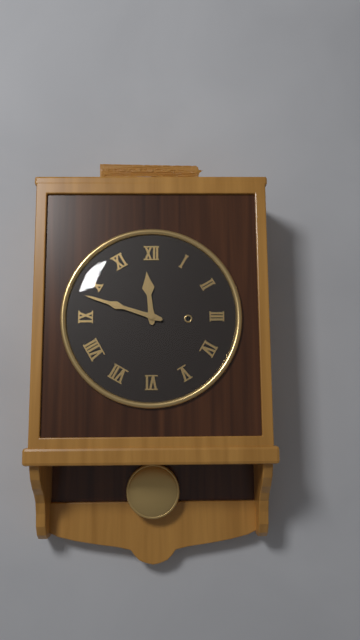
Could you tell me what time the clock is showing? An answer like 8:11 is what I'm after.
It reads 11:48
